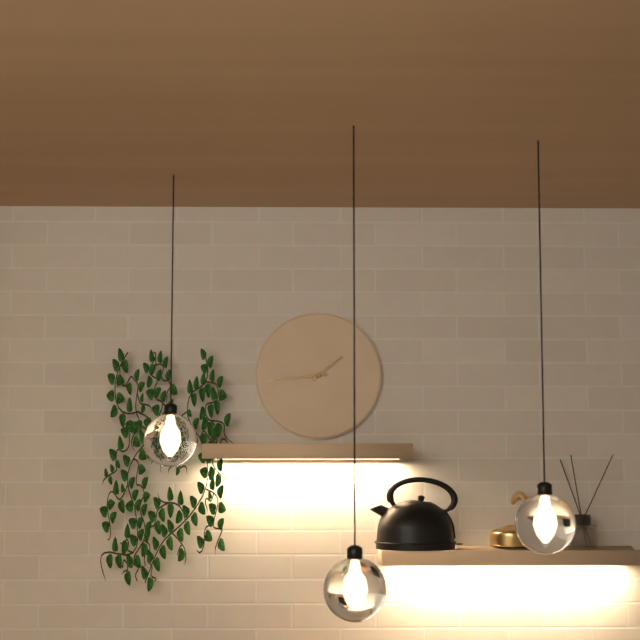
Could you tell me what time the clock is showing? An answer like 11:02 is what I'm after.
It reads 1:44
